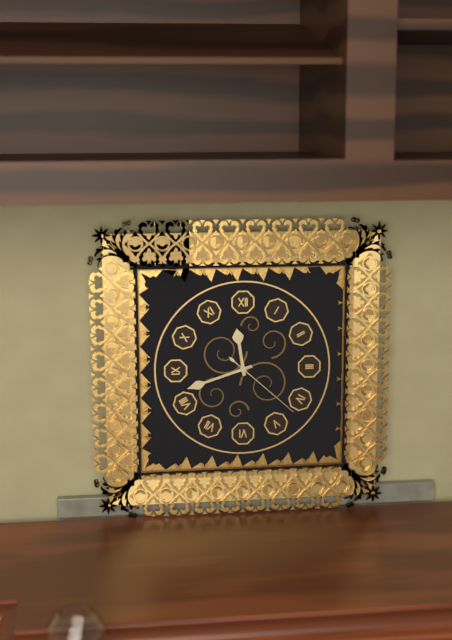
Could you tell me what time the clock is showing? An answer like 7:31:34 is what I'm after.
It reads 11:42:22
